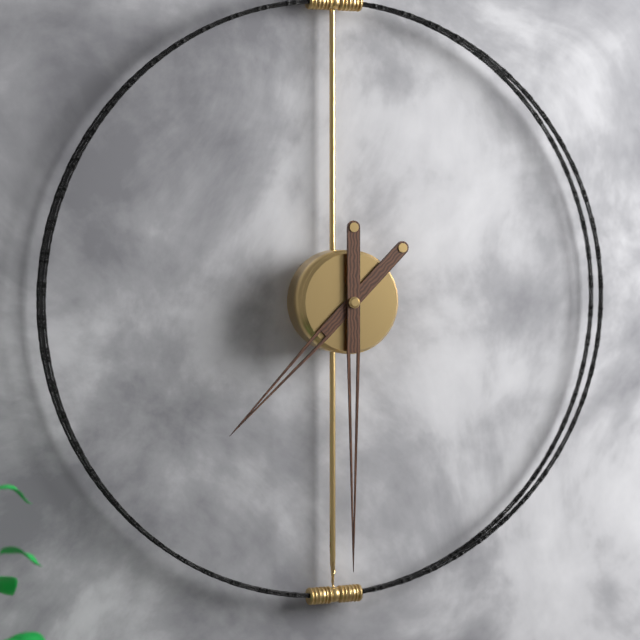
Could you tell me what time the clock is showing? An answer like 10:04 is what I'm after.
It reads 7:30
